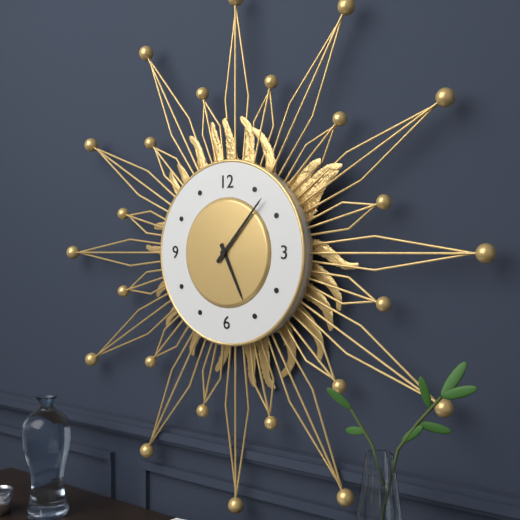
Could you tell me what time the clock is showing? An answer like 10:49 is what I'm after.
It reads 5:07
